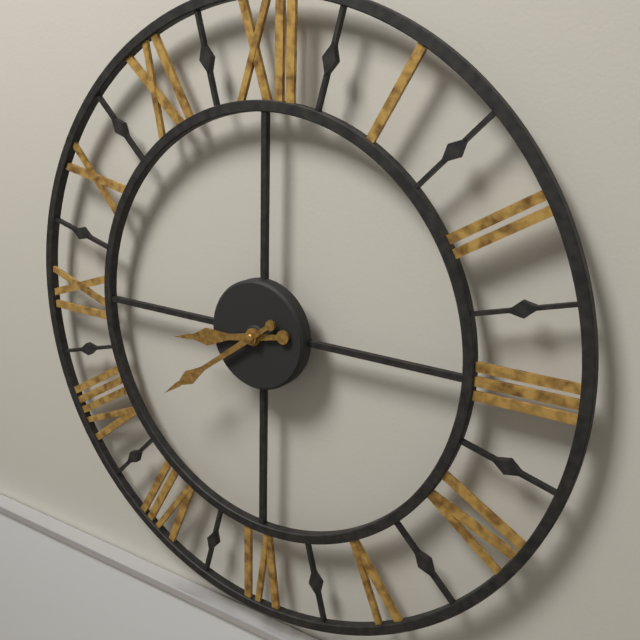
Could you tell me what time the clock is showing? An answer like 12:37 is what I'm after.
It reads 8:39
